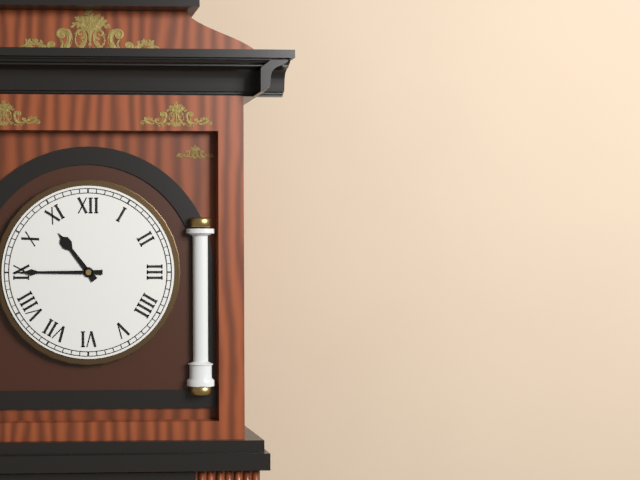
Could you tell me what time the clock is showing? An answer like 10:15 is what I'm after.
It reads 10:45
